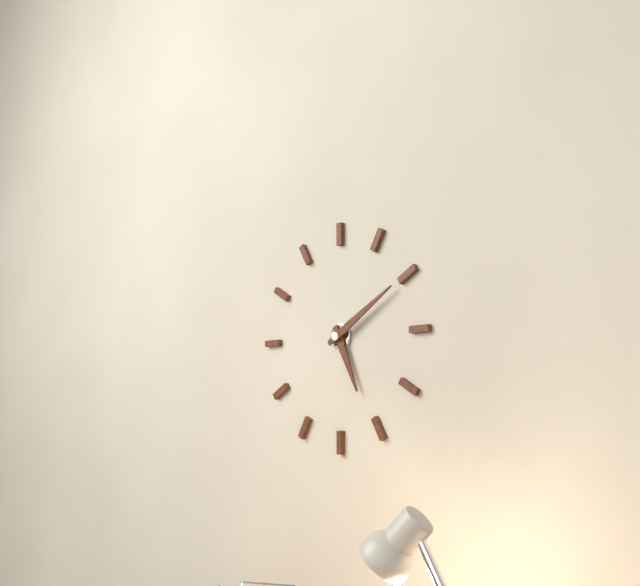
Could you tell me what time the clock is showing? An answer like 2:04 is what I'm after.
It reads 5:10
